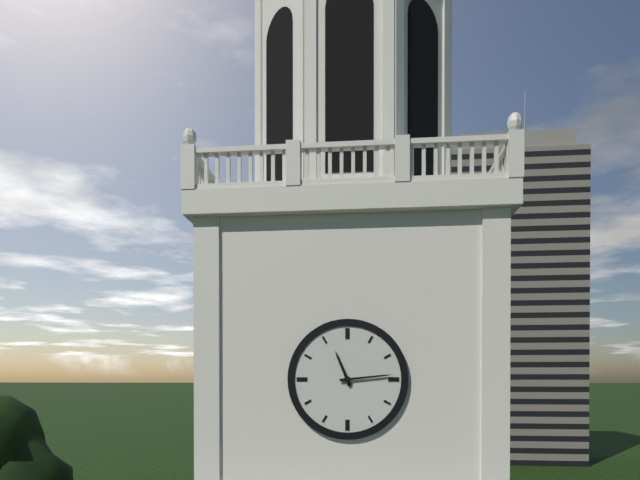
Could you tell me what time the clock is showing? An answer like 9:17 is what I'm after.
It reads 11:14
